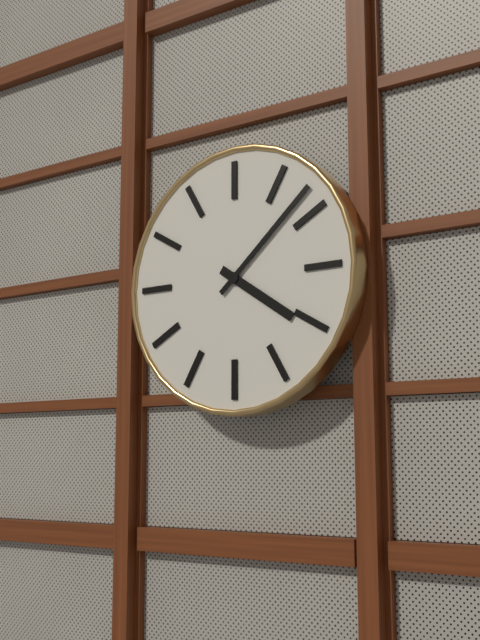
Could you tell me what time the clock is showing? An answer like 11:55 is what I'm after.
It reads 4:08
